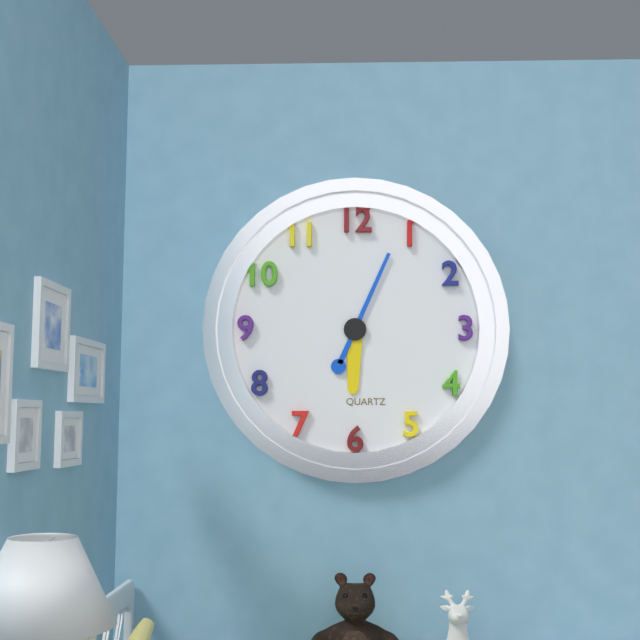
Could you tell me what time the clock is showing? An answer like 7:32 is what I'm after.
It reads 6:04
